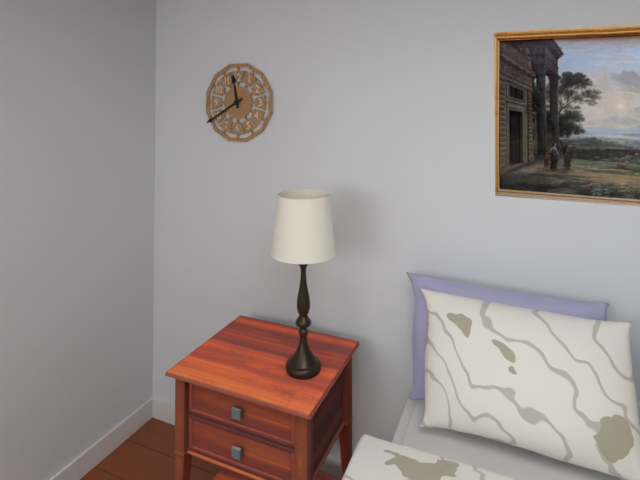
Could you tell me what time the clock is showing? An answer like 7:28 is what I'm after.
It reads 11:40
